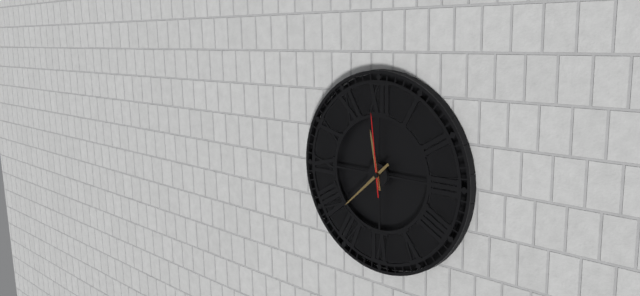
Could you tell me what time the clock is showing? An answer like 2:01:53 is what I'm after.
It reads 11:38:59
